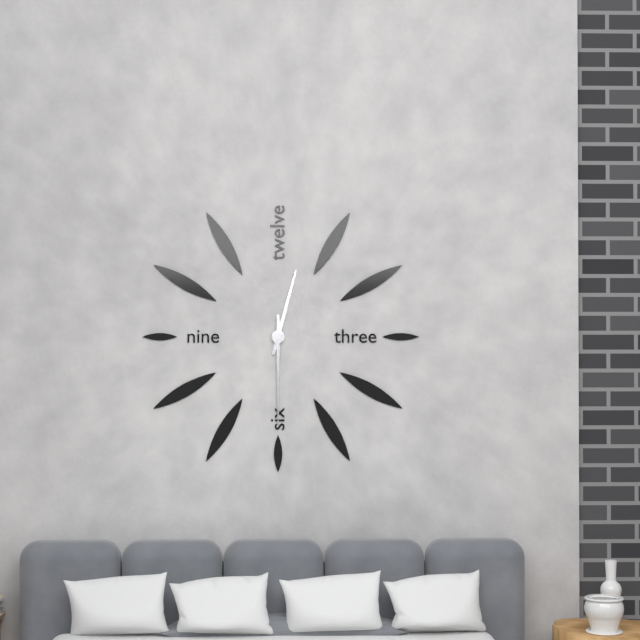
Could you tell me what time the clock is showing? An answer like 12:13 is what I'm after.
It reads 12:30
